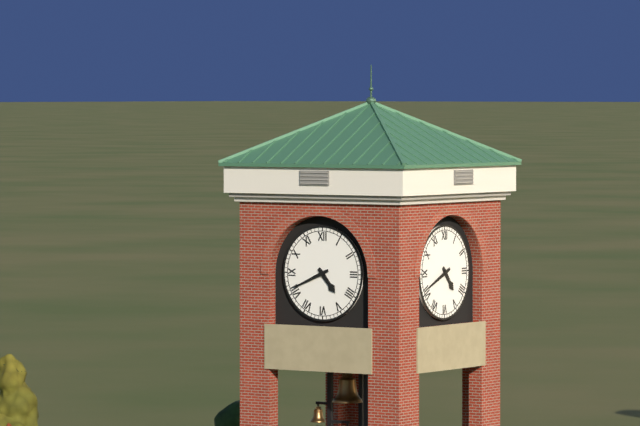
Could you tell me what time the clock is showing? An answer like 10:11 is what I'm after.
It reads 4:41
